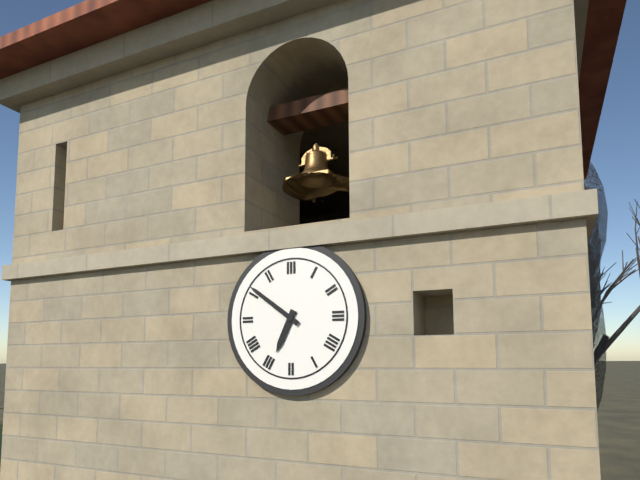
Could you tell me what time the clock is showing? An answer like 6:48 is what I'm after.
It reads 6:51
